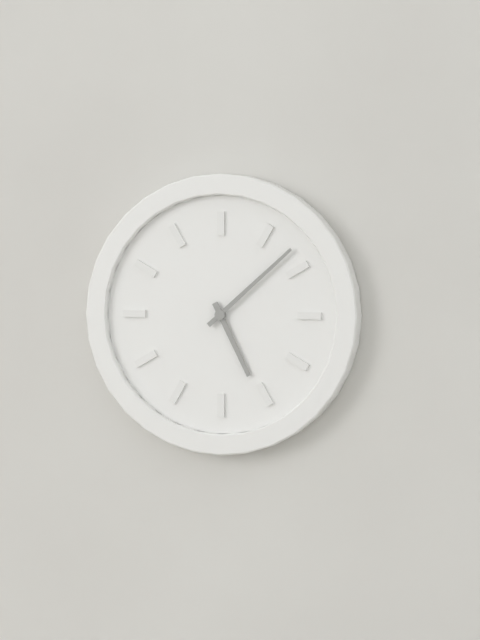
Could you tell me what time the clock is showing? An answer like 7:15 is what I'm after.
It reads 5:08
